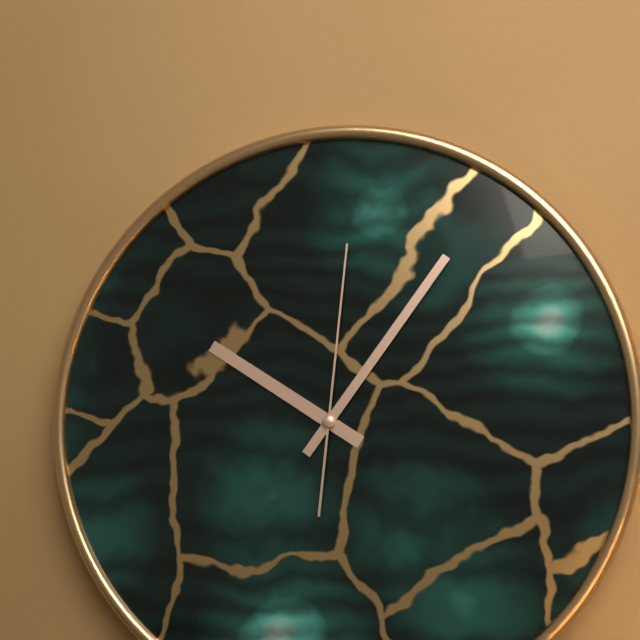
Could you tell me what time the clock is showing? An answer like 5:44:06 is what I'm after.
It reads 10:06:01
